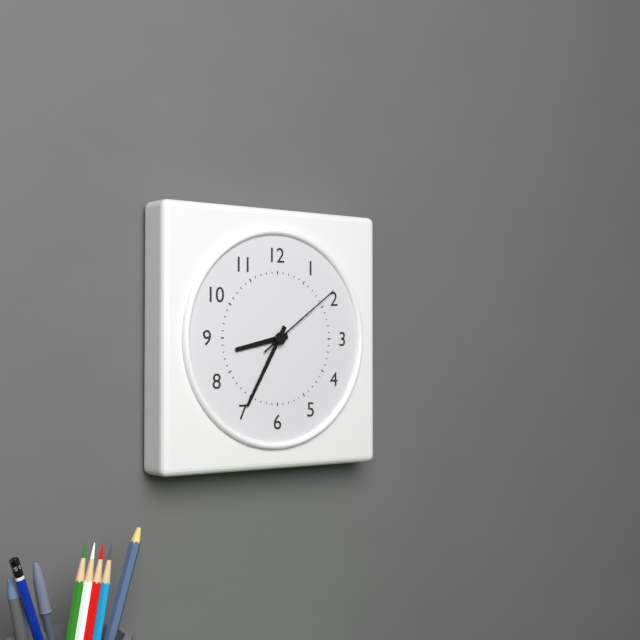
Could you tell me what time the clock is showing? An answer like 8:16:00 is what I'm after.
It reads 8:35:09
